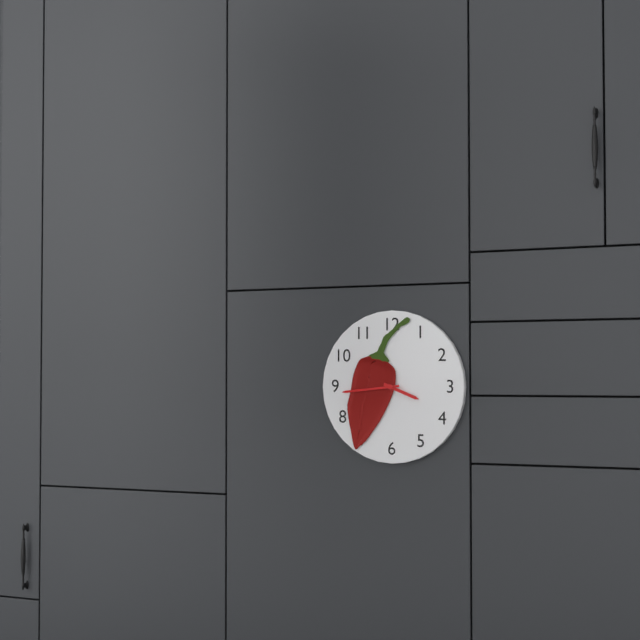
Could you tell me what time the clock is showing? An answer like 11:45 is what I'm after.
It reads 3:44
